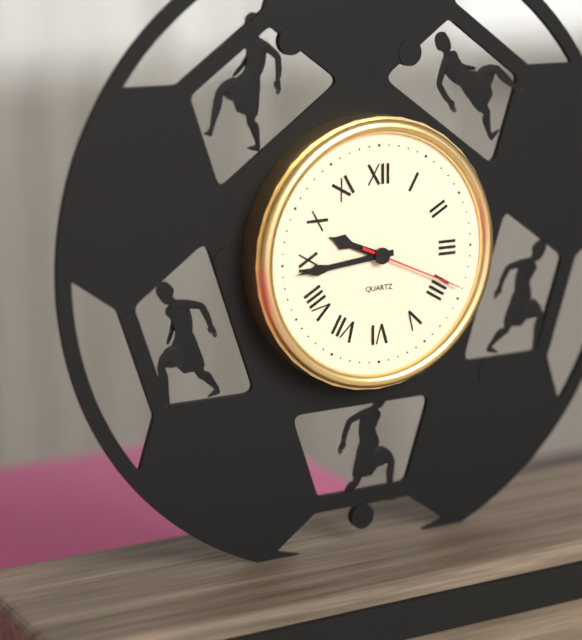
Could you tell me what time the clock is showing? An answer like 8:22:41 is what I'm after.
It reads 9:44:19
